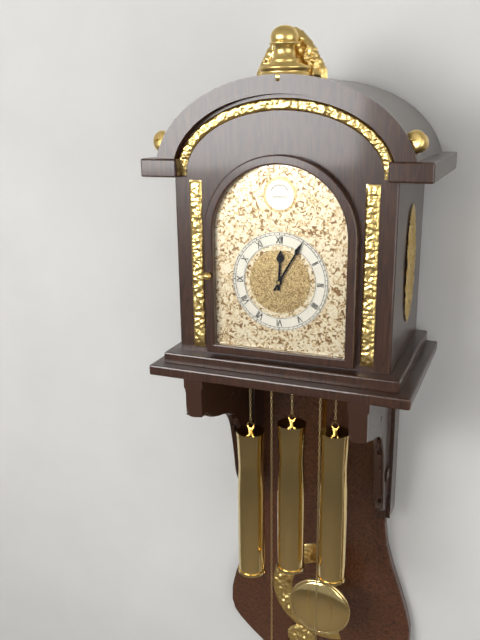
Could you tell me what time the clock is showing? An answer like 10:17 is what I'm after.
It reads 12:05
